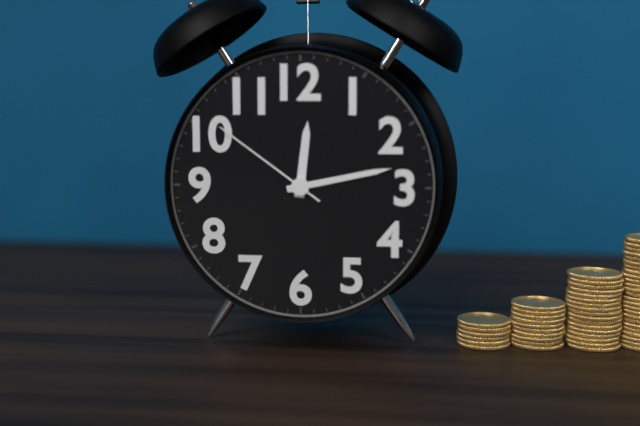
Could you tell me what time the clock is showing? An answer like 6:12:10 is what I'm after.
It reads 12:13:51
